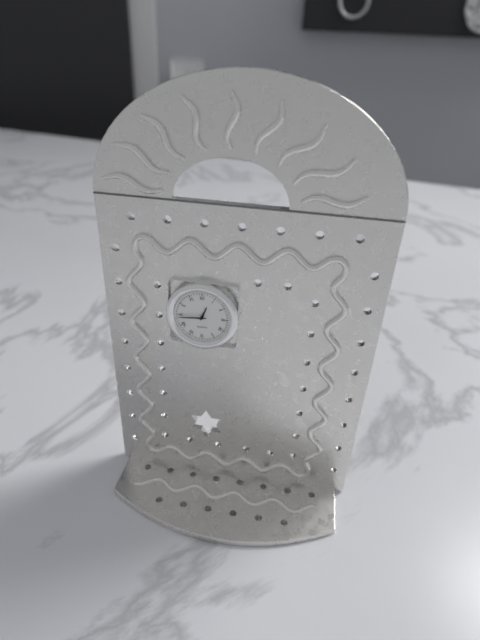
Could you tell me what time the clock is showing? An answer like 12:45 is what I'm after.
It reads 12:44
